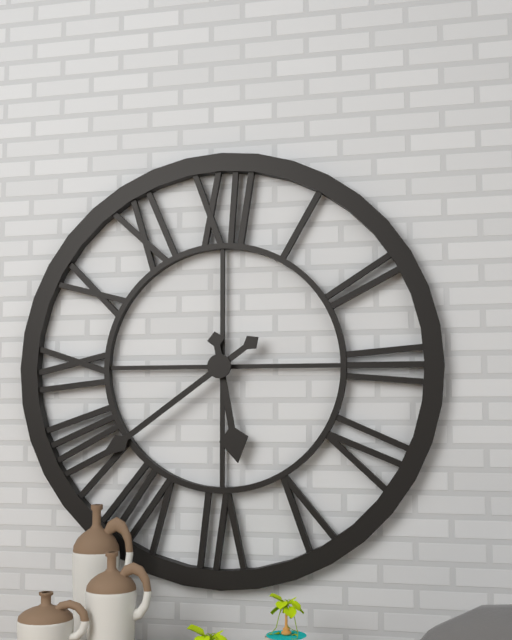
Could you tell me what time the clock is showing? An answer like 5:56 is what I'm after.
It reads 5:39
